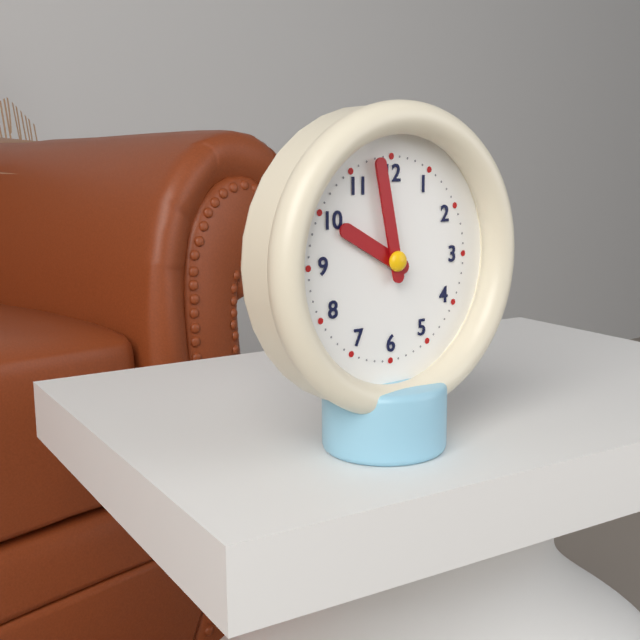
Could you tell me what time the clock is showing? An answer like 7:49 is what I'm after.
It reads 9:58
